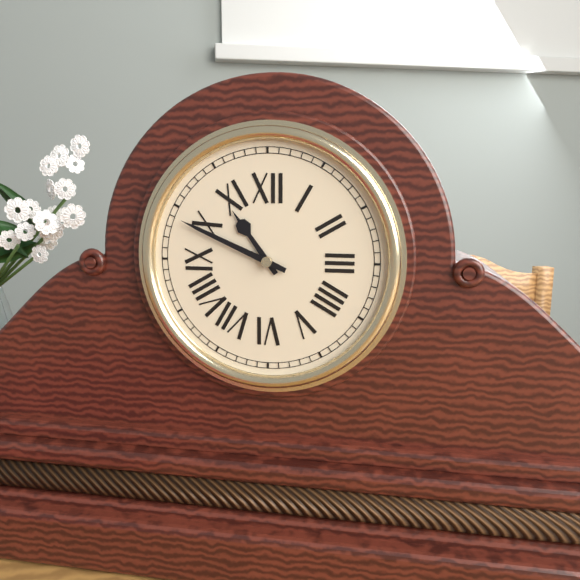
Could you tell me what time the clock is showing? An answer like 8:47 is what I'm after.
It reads 10:49
